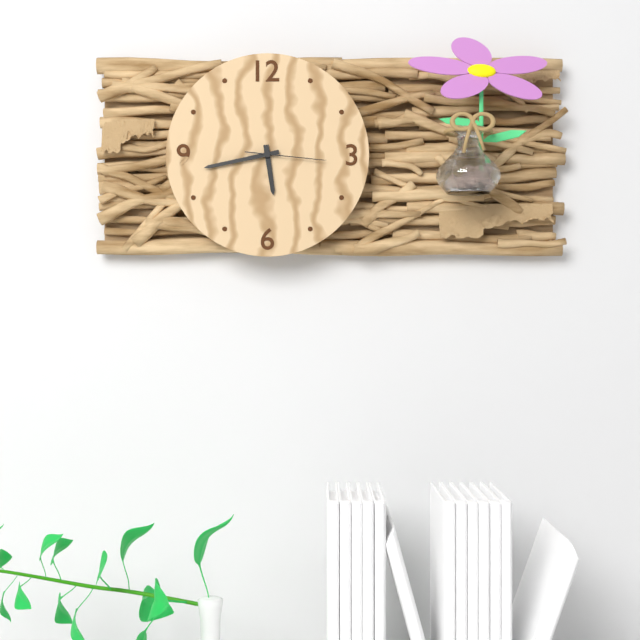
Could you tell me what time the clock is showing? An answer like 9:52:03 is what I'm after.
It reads 5:43:16
